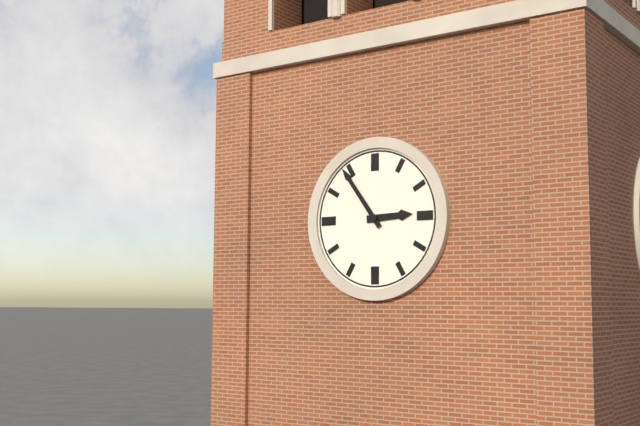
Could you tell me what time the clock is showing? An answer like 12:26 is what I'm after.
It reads 2:54
